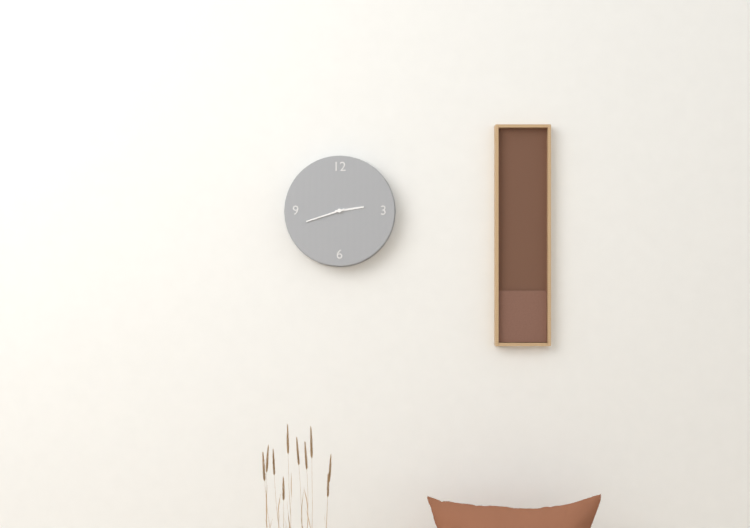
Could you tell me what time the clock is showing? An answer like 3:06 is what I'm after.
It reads 2:42
